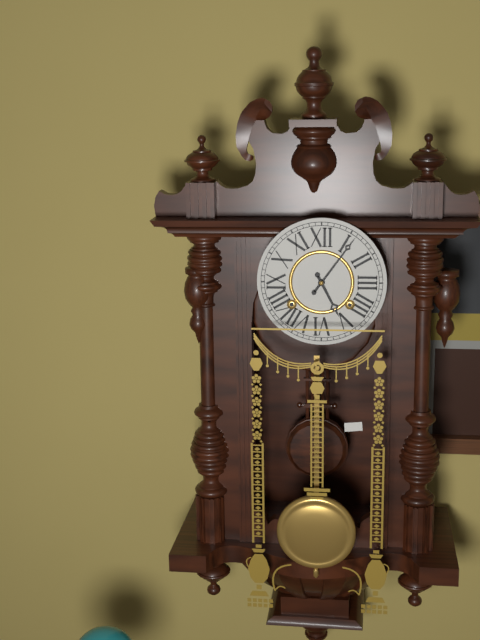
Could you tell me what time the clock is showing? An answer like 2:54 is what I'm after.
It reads 5:06
